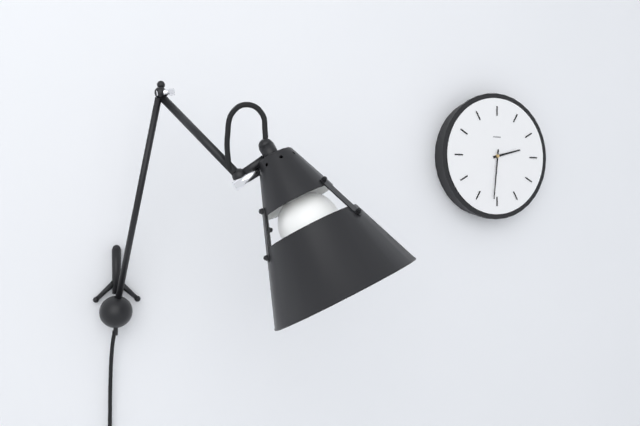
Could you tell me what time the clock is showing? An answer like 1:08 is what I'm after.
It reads 2:31
